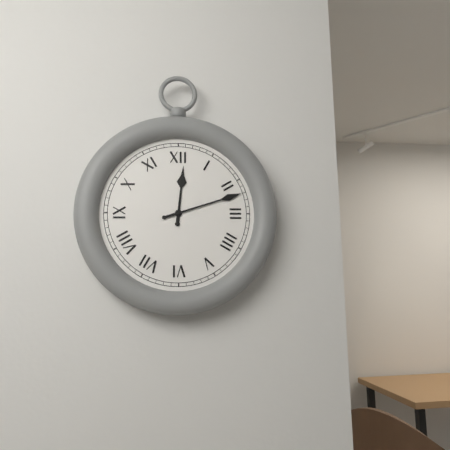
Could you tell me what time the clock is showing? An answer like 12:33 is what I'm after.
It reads 12:12
